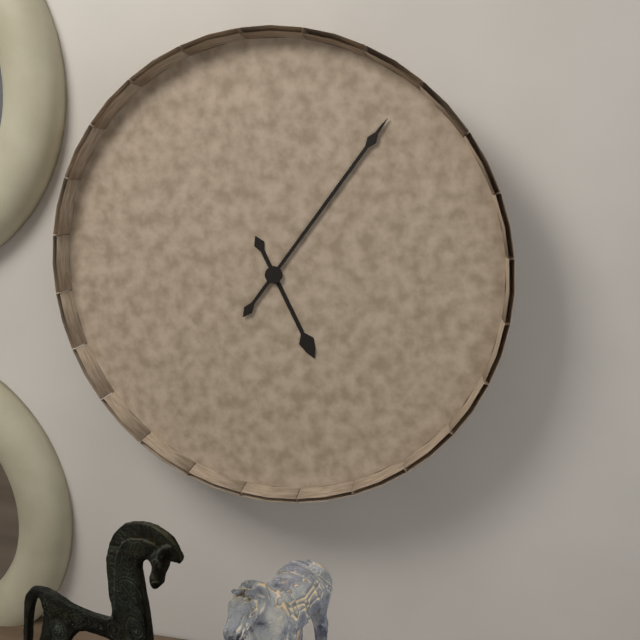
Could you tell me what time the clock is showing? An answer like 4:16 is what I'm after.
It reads 5:06
